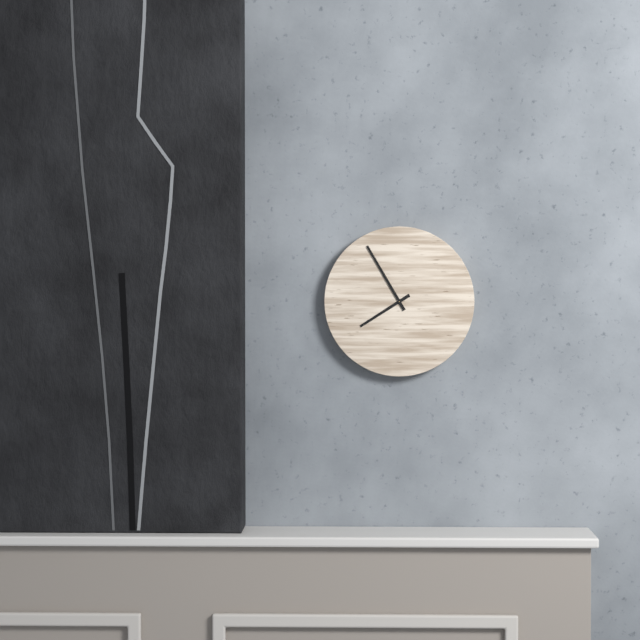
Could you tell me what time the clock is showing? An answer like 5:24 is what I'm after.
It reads 7:55
